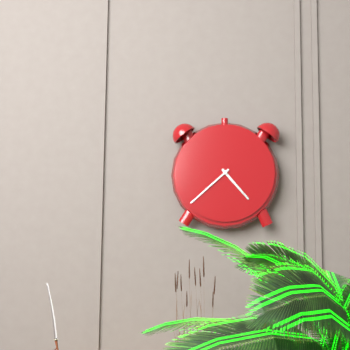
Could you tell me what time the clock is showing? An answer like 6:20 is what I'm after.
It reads 4:38
